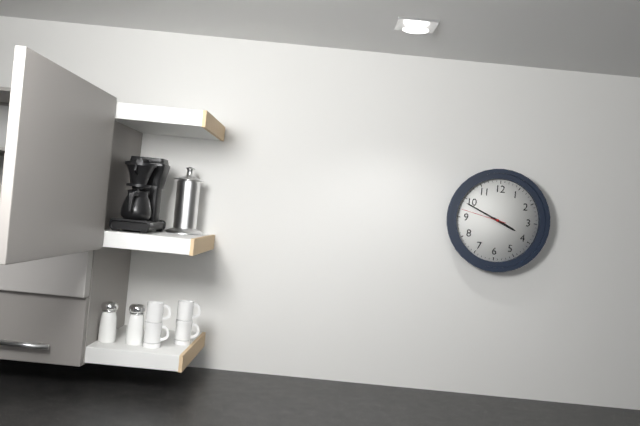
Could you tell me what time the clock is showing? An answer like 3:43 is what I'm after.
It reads 3:49
